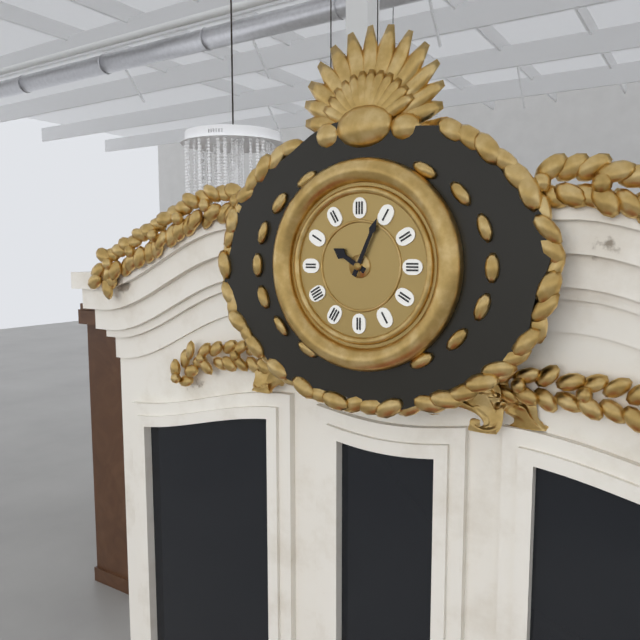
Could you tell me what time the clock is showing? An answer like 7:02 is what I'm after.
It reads 10:04
